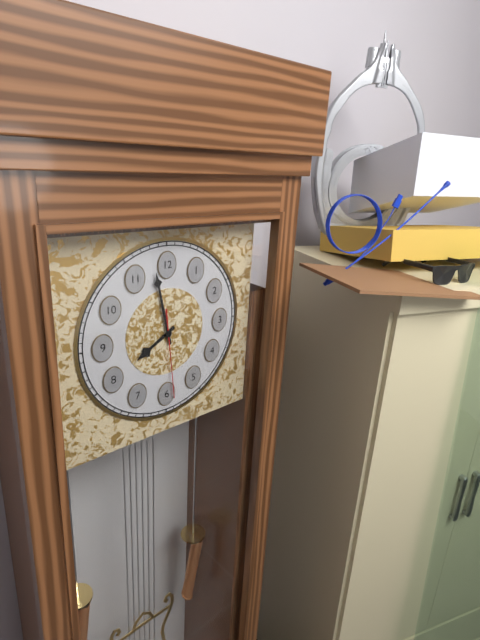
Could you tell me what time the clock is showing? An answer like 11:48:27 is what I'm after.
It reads 7:58:29
